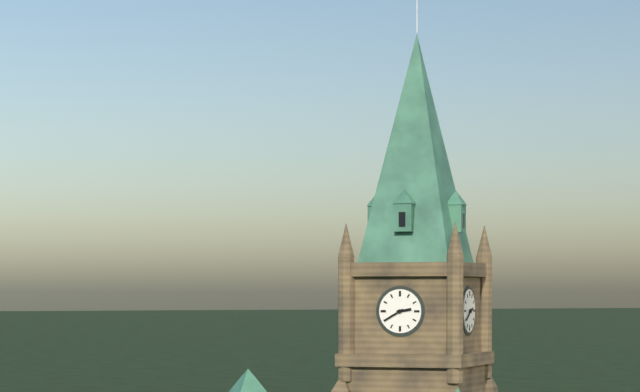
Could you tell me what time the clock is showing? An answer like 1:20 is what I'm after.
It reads 2:40
